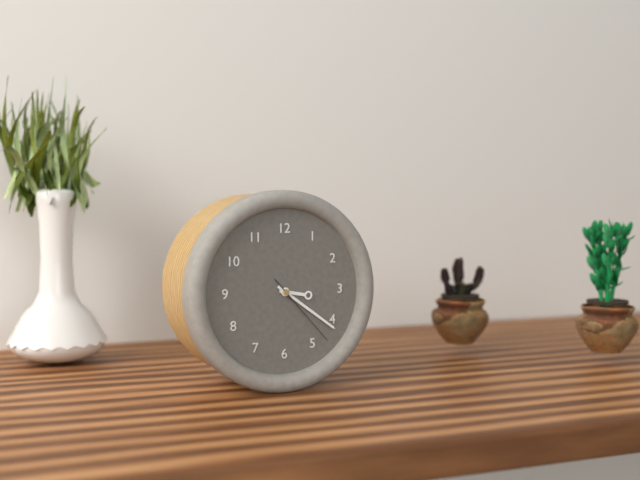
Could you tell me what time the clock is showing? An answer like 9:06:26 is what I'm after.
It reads 3:21:23
